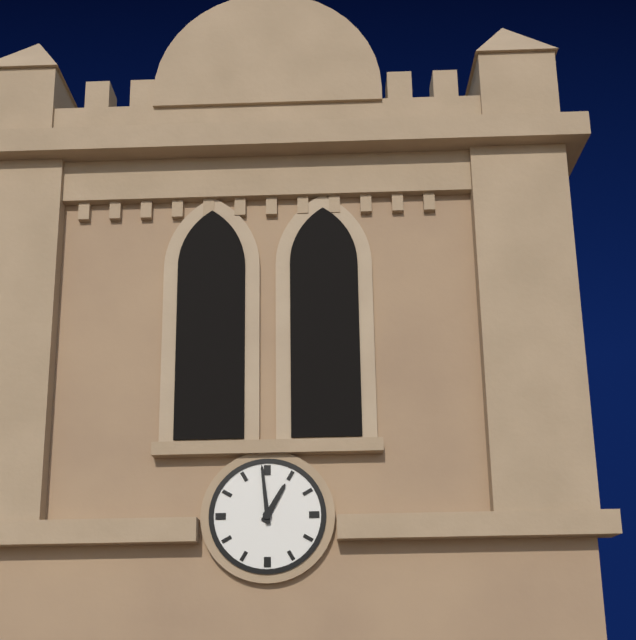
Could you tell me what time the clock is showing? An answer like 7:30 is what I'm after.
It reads 12:59
